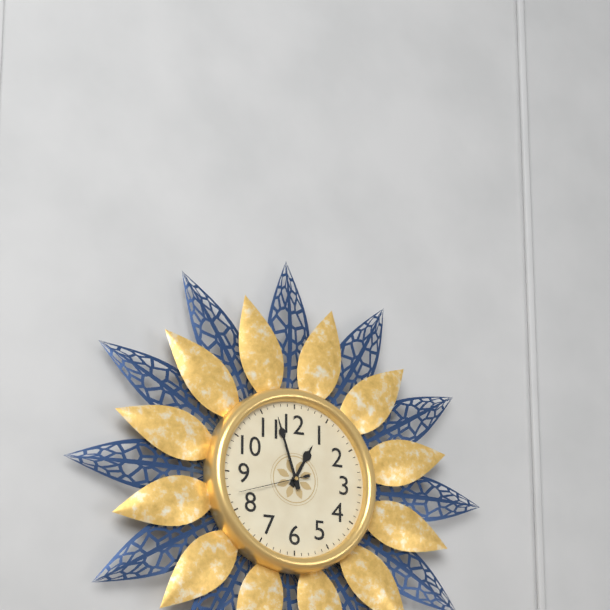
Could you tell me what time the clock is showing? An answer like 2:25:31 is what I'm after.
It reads 12:57:42
